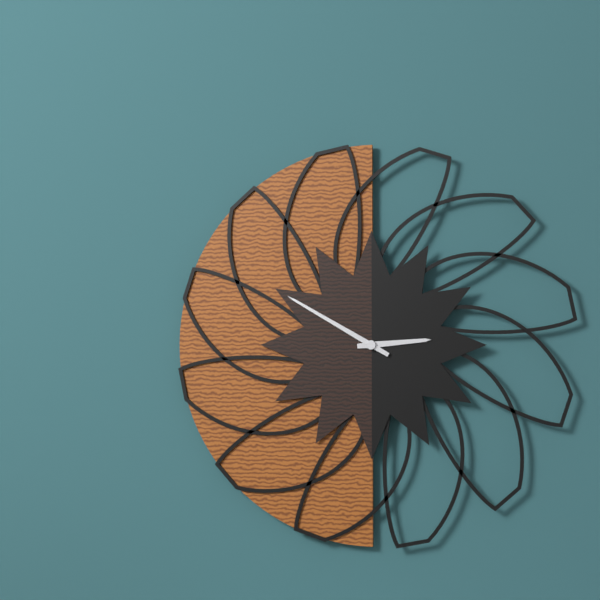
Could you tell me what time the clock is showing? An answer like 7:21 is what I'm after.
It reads 2:50
